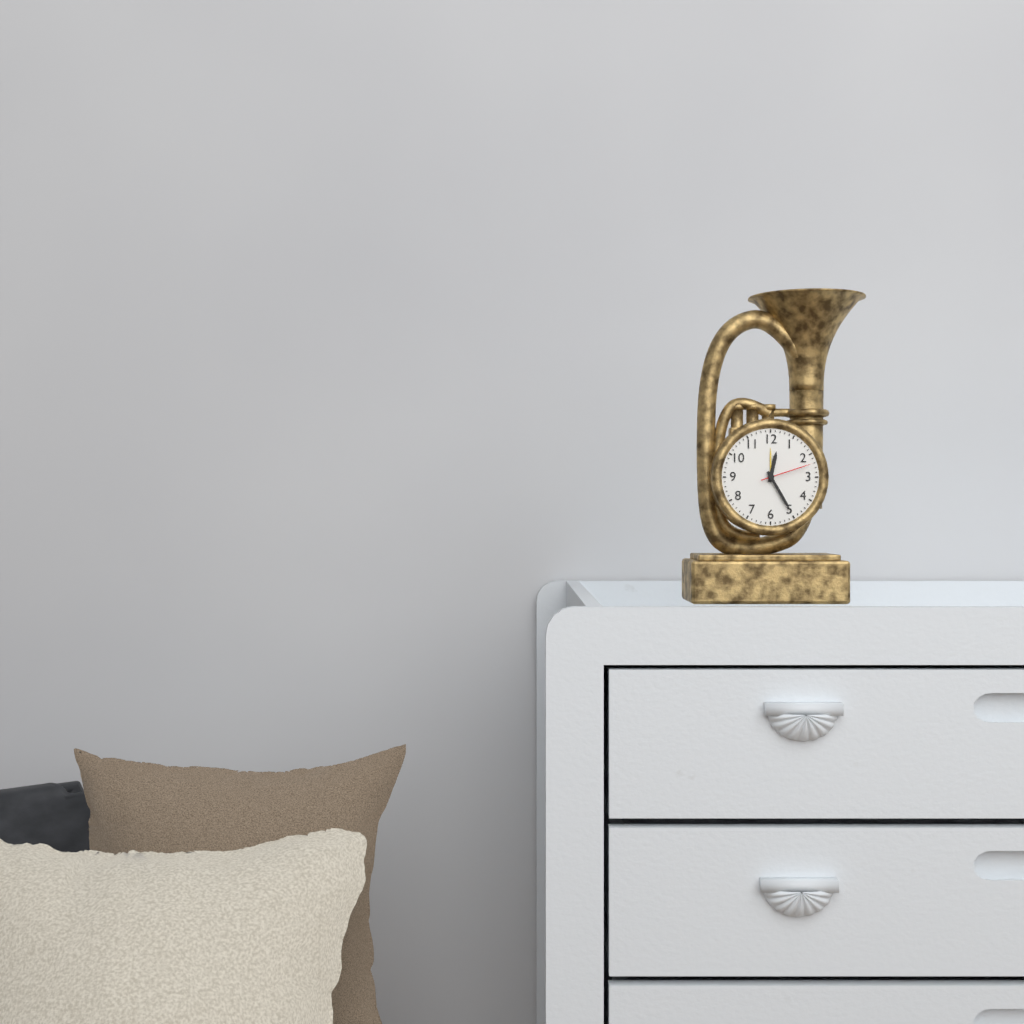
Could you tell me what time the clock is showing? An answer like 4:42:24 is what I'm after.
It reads 12:25:12
